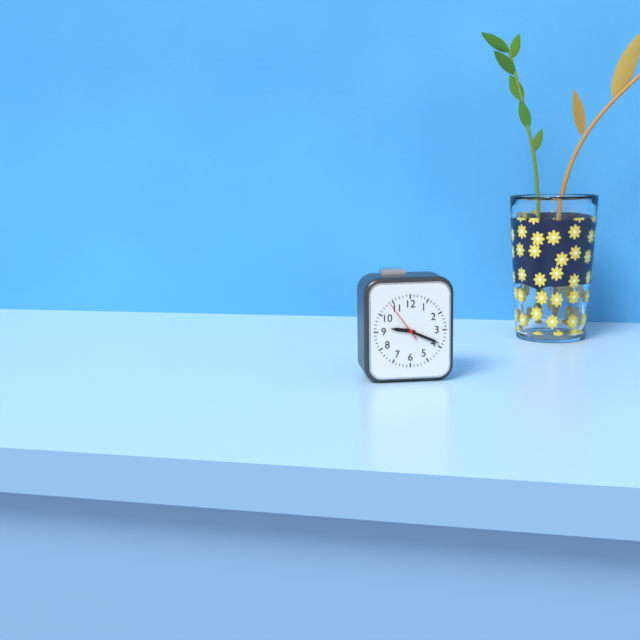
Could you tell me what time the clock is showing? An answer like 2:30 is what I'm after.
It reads 9:19
